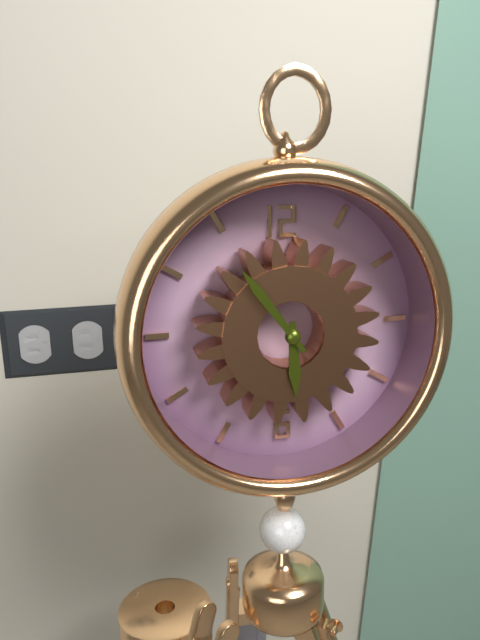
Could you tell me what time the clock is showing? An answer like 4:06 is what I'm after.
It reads 5:54
